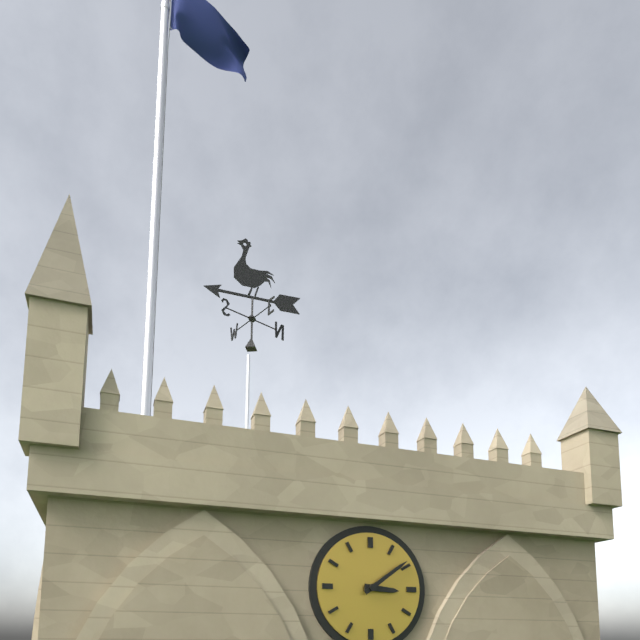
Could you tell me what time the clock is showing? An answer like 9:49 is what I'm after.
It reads 3:09
